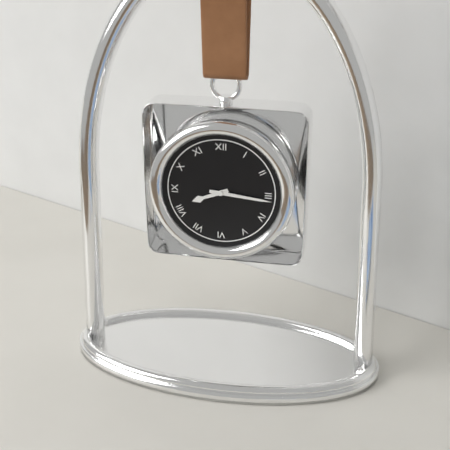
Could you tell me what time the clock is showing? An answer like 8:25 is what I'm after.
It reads 8:16
